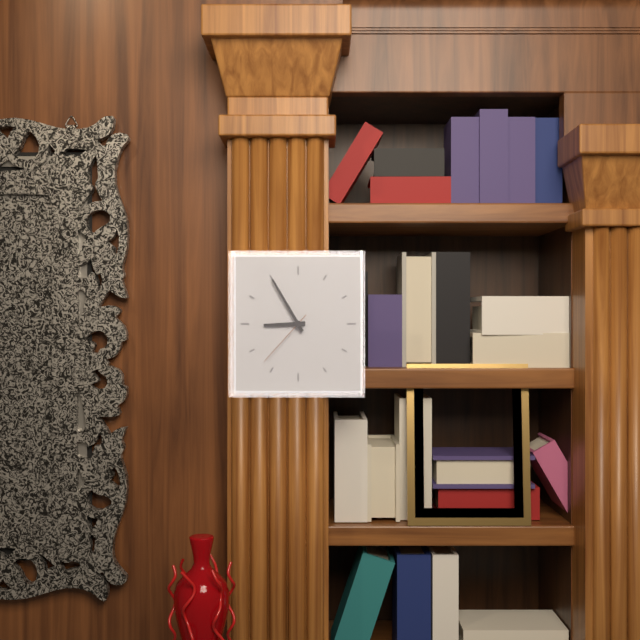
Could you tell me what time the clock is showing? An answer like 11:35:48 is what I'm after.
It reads 8:55:37
